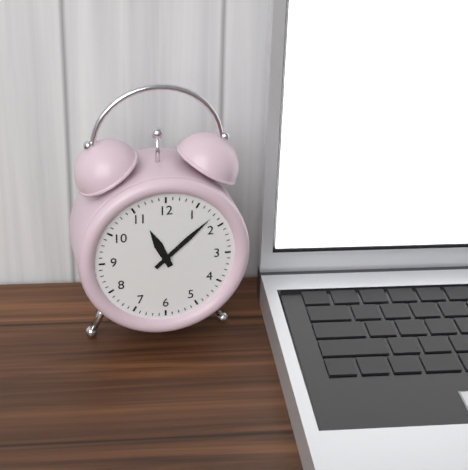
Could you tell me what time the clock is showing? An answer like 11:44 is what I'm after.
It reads 11:08
